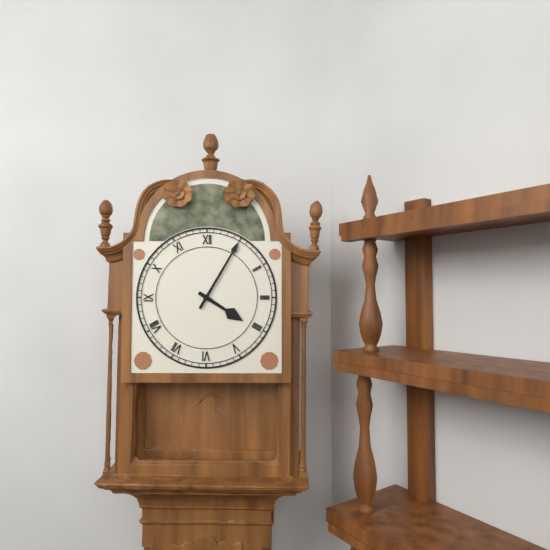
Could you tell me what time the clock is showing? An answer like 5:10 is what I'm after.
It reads 4:05
